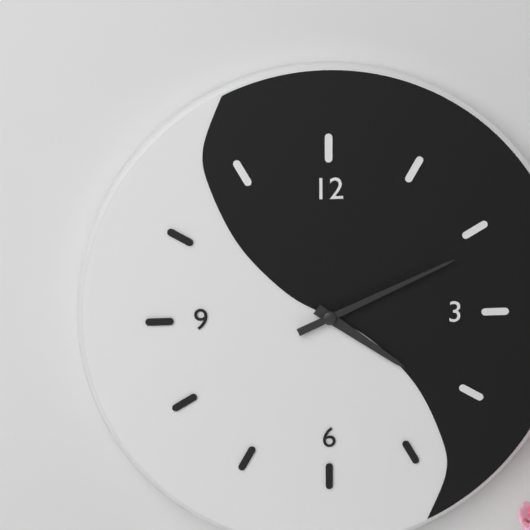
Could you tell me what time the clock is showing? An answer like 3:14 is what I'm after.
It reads 4:11
